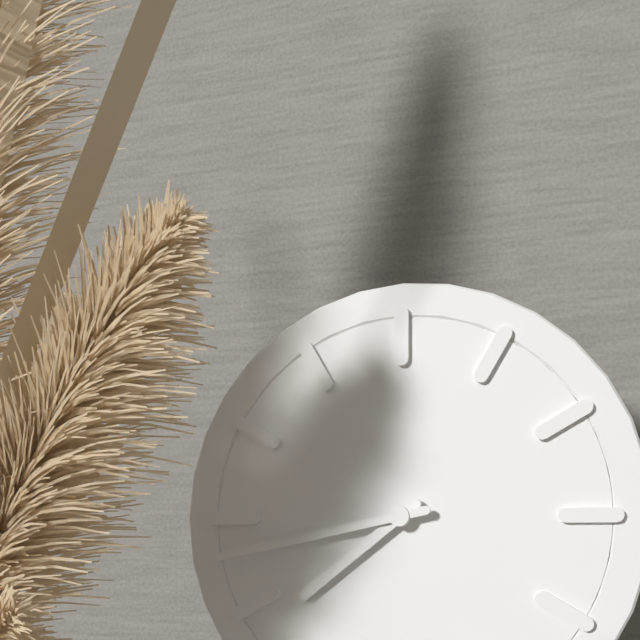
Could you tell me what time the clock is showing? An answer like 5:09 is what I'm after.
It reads 7:43
